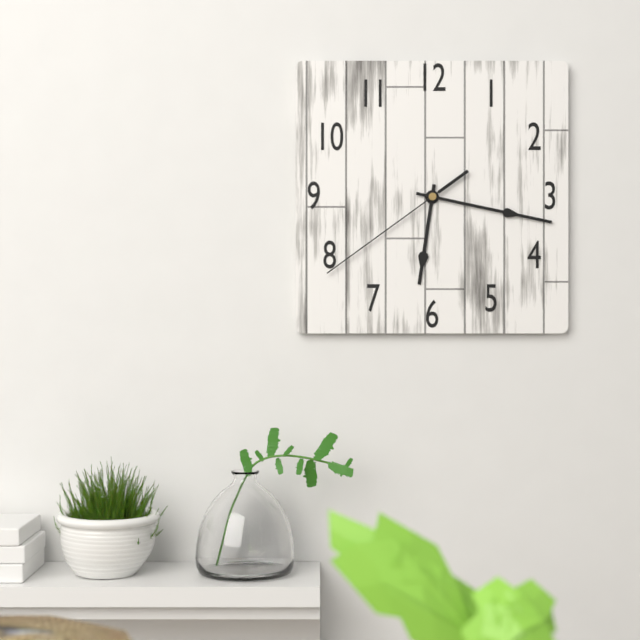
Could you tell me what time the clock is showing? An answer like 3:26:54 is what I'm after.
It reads 6:17:39
